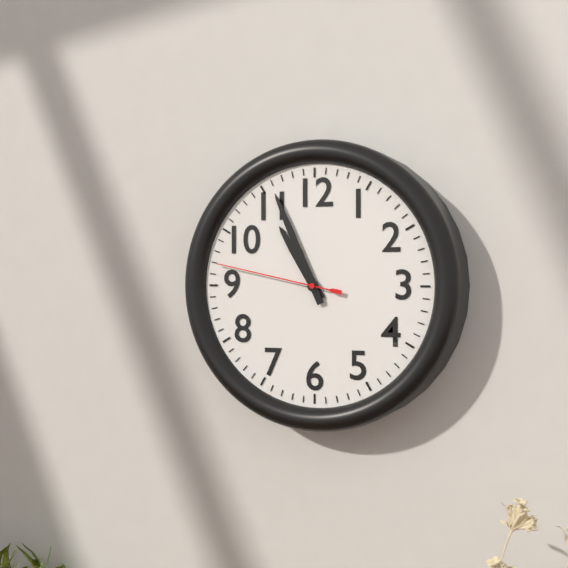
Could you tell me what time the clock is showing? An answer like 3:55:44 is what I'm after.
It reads 10:56:47
